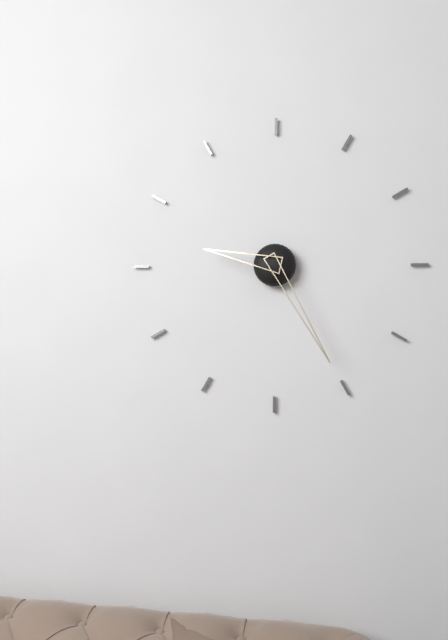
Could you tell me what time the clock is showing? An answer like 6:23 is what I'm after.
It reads 9:25
